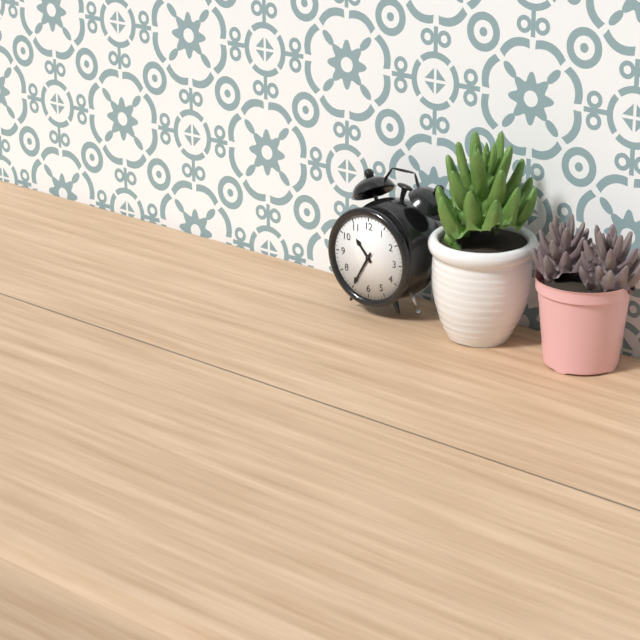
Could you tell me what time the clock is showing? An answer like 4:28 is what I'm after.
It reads 10:35
